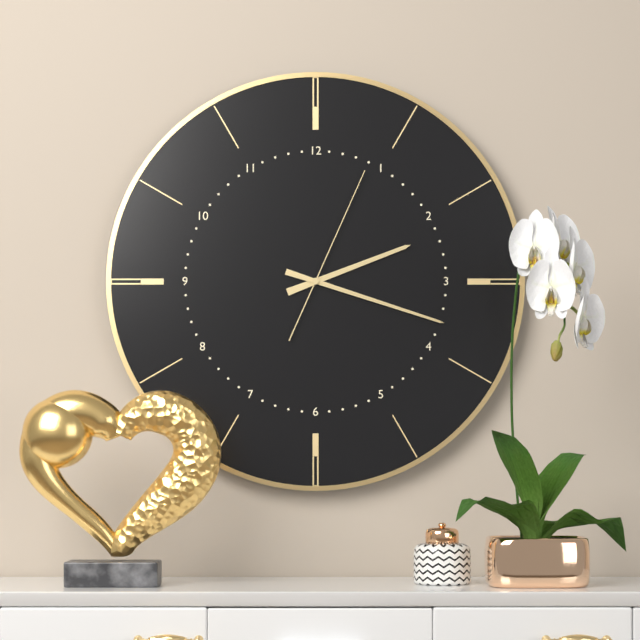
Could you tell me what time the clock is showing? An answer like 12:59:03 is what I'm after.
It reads 2:18:04
